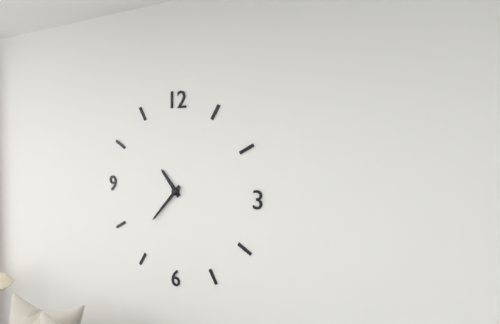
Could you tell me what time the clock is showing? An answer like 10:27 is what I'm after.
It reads 10:37
